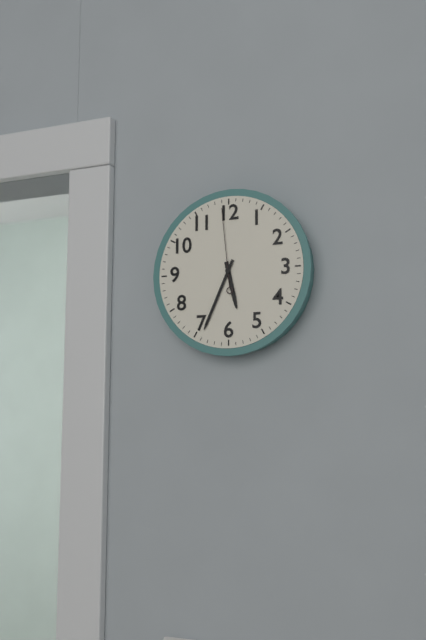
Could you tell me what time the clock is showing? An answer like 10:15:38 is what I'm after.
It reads 5:34:59
